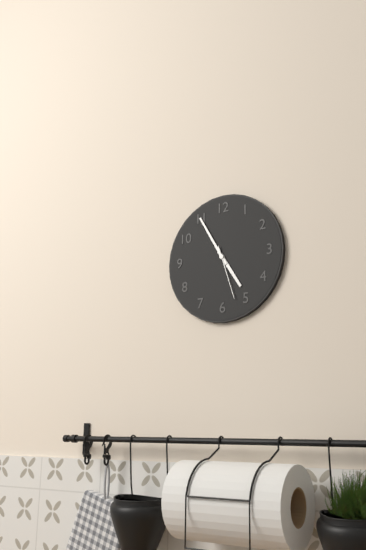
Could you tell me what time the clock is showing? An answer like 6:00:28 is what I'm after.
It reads 4:55:27
